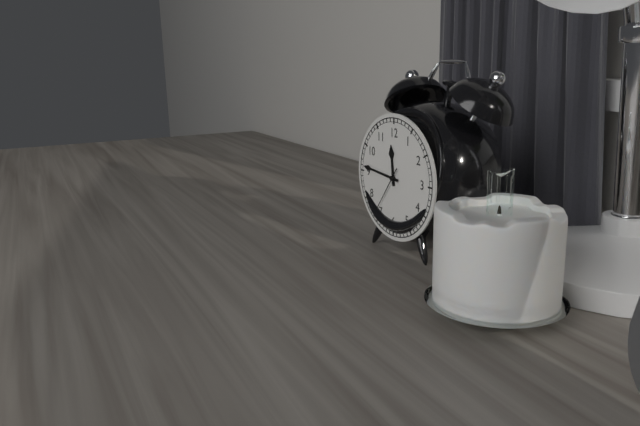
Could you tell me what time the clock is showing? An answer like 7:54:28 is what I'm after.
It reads 11:46:36
